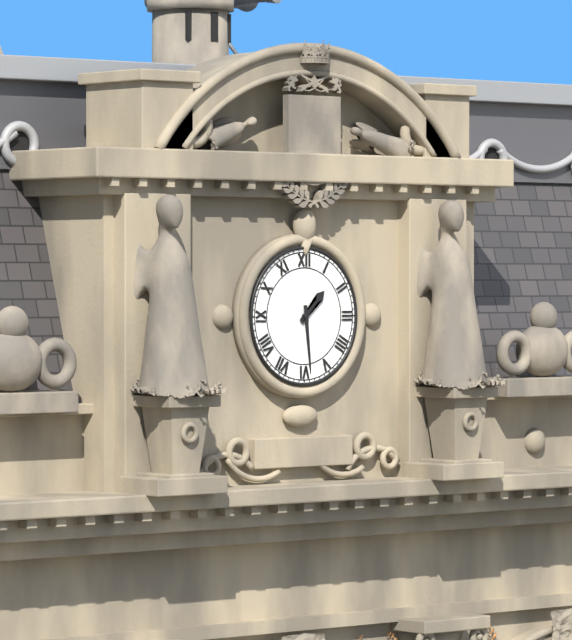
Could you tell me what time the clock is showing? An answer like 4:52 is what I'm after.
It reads 1:29
